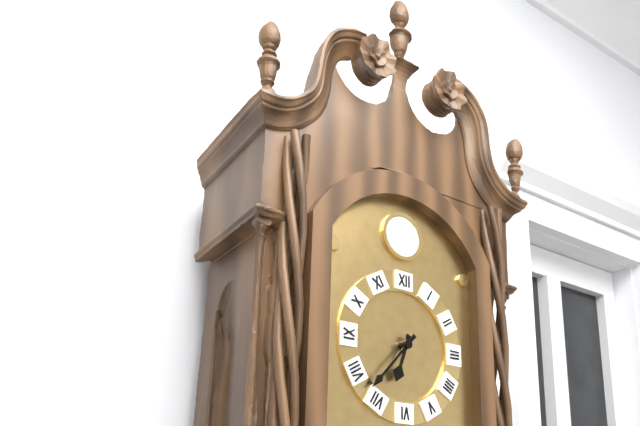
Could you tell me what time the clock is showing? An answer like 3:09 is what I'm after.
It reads 6:37
